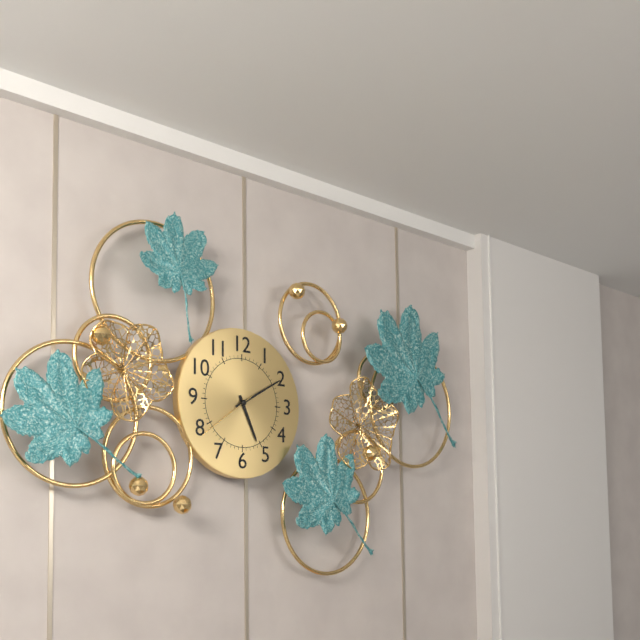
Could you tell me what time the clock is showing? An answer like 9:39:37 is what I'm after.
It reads 5:10:39
